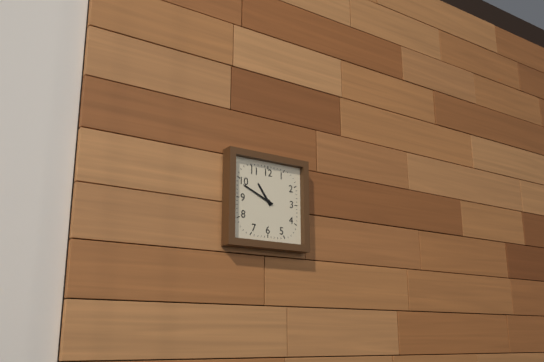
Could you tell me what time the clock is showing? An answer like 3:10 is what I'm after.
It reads 10:49
